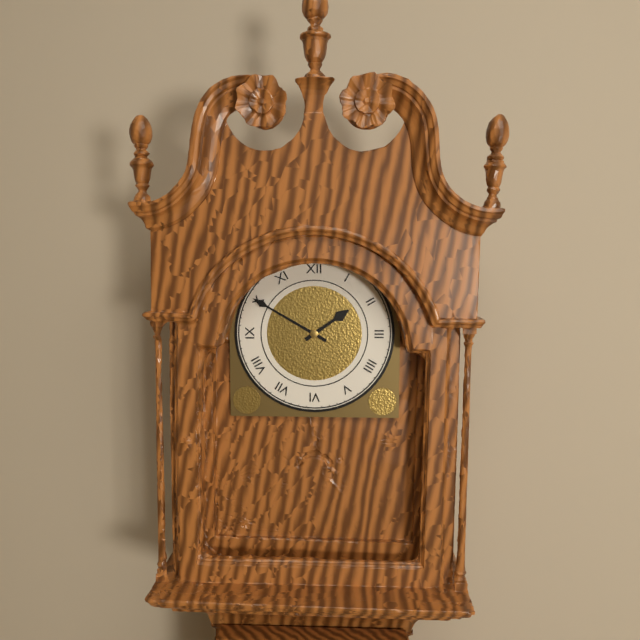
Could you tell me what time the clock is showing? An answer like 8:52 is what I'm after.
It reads 1:50
